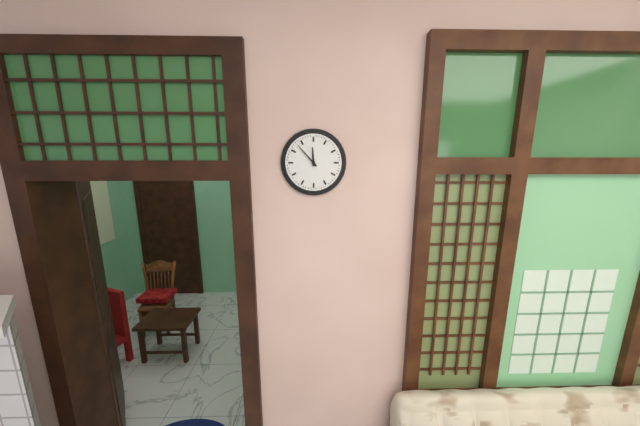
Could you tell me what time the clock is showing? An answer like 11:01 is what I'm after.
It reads 11:53
